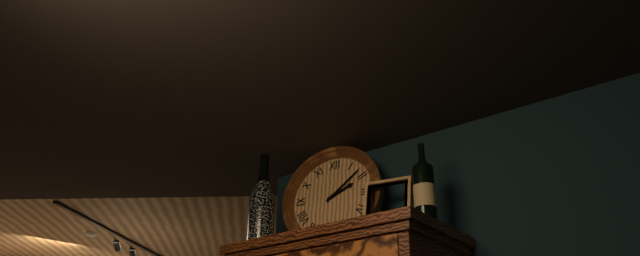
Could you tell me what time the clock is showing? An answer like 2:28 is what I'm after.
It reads 2:08
